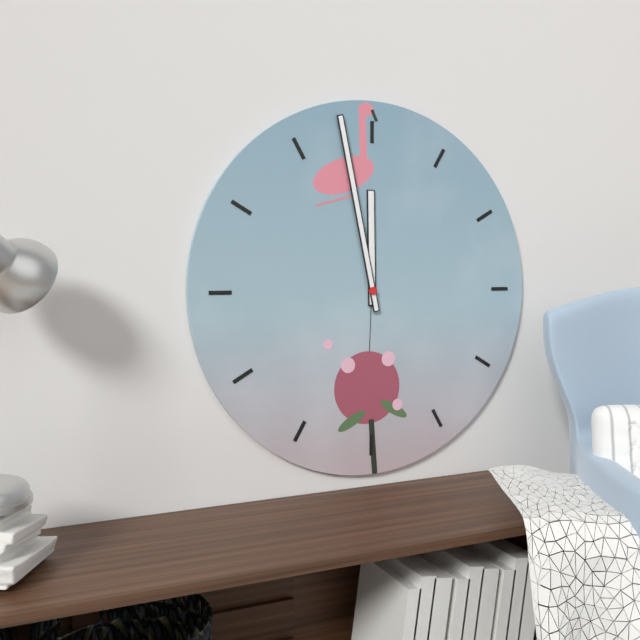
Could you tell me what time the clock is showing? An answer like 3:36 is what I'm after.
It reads 11:58
